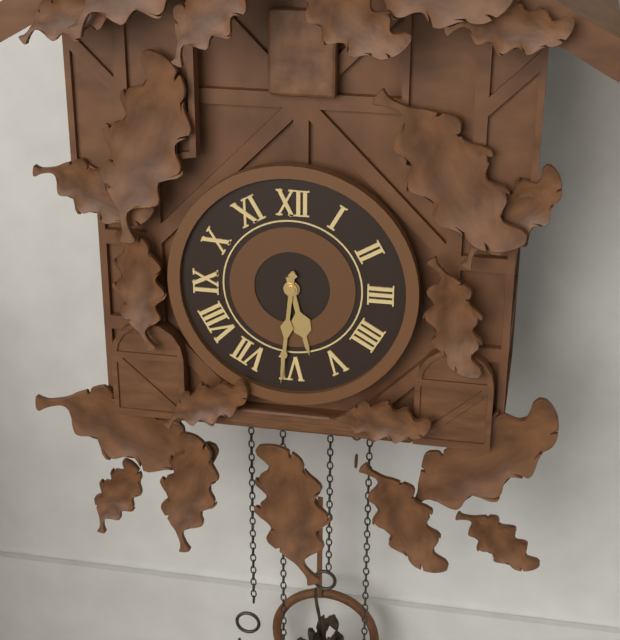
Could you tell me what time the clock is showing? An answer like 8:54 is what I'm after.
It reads 5:31
